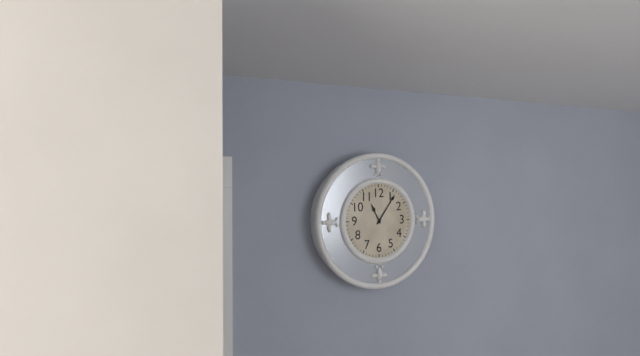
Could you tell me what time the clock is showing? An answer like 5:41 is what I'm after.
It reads 11:06
